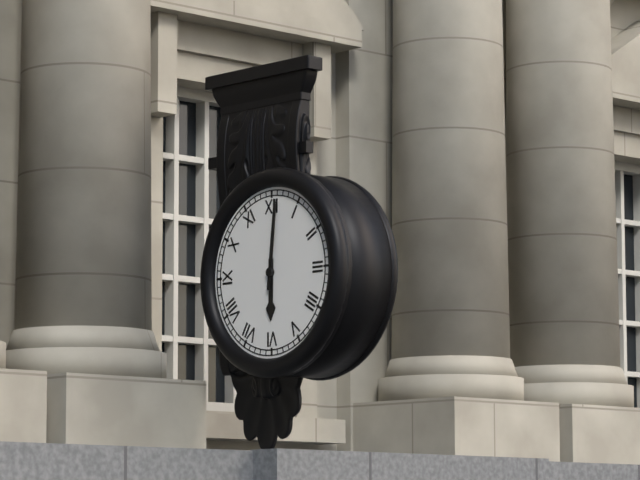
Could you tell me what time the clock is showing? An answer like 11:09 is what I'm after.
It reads 6:01
